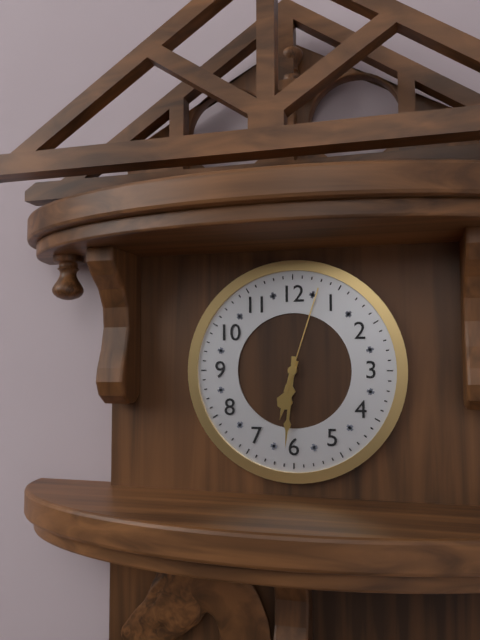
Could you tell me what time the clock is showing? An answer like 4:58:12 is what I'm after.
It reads 6:31:03
